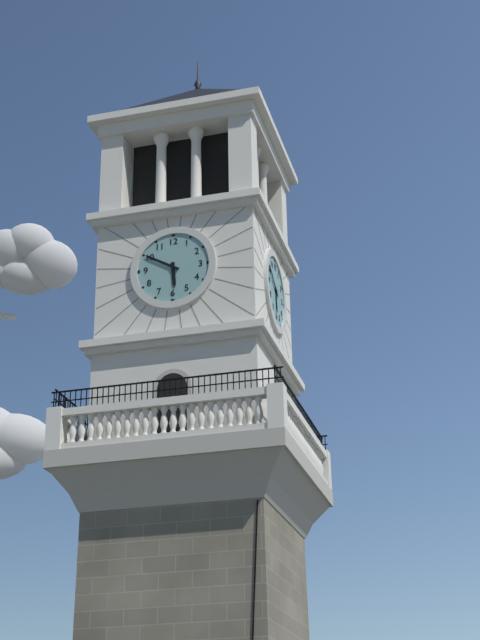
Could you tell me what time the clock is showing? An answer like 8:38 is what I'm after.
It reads 5:50
